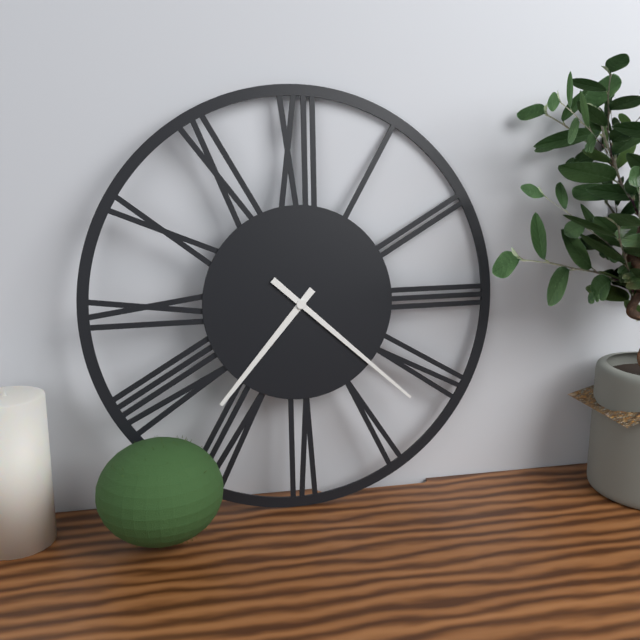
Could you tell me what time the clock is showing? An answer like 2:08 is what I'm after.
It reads 7:22
